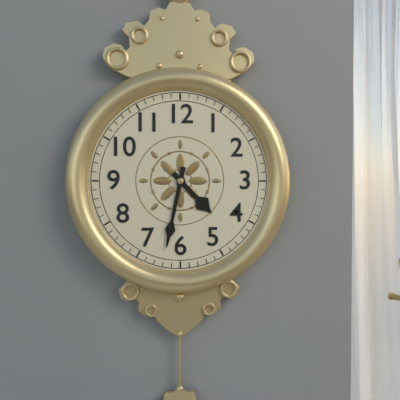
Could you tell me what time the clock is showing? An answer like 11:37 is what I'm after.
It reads 4:32
